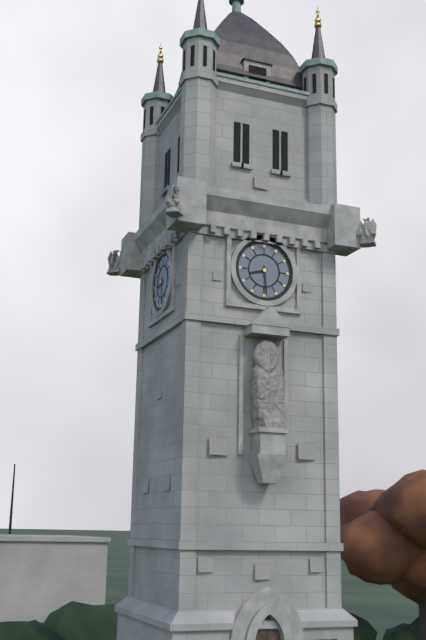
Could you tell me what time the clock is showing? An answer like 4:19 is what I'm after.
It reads 8:29
